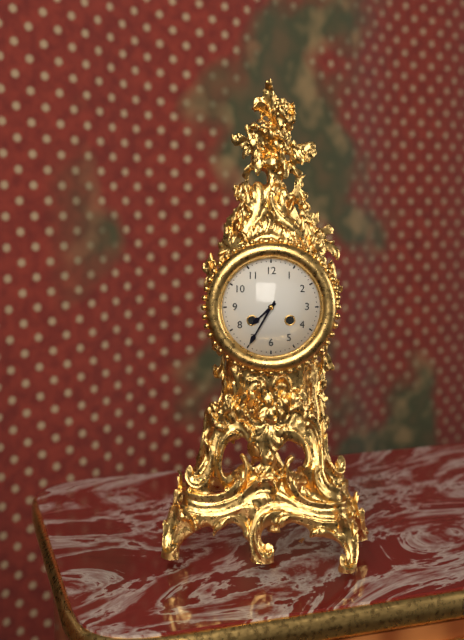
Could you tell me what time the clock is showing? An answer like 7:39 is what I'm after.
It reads 7:35
